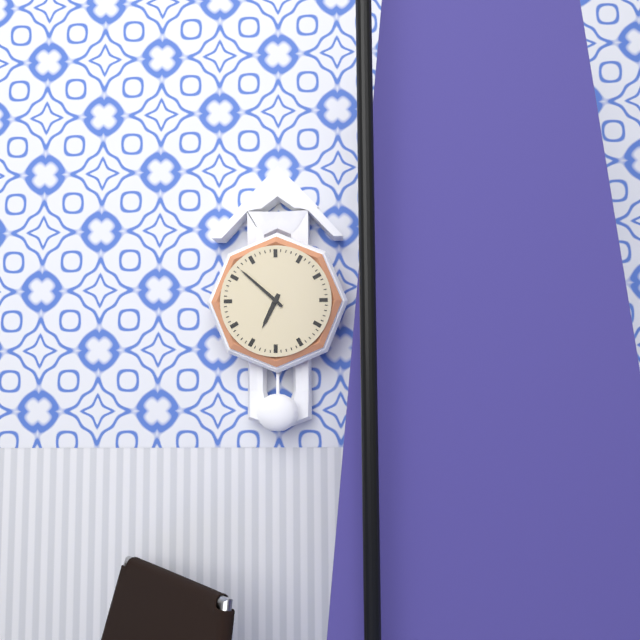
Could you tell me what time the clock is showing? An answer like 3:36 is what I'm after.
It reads 6:52
